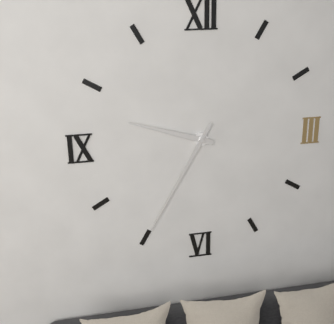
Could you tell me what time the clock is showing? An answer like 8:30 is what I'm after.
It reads 9:35
